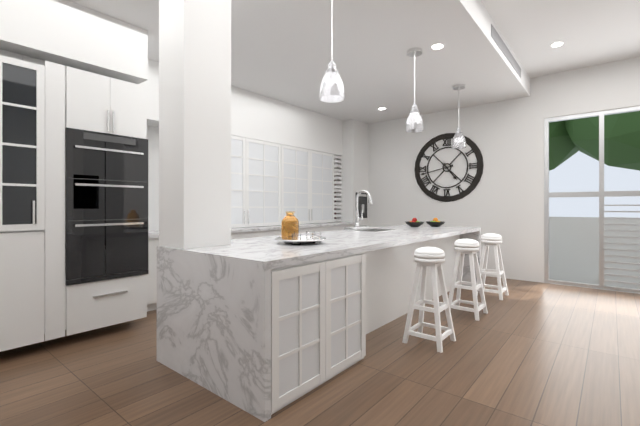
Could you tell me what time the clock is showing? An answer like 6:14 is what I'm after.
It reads 4:43
